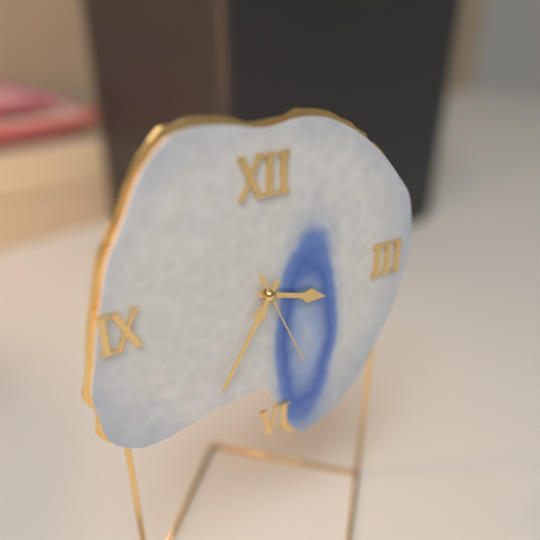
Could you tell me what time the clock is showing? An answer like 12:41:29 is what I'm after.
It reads 3:35:26
